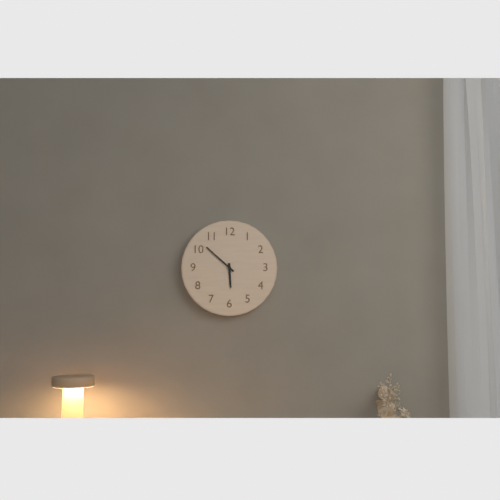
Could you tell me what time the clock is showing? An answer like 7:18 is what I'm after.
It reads 5:52
